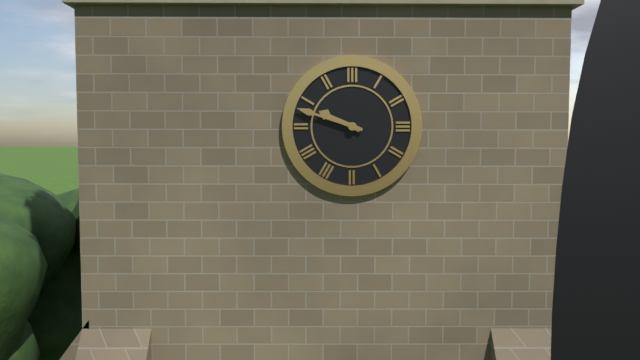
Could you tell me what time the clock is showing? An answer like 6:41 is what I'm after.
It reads 9:48
